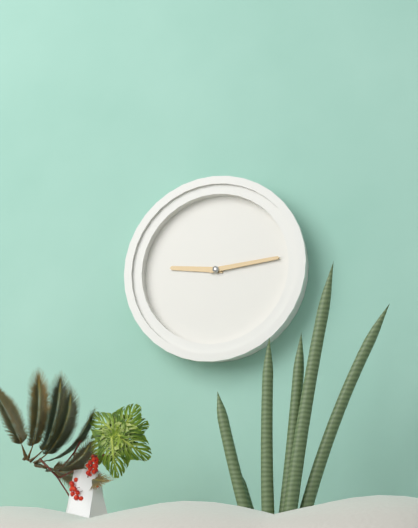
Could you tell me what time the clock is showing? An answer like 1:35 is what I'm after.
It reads 9:14
